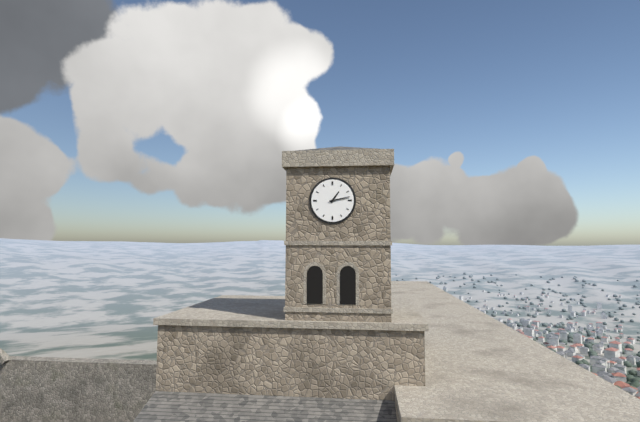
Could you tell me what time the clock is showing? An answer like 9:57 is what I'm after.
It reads 1:13
